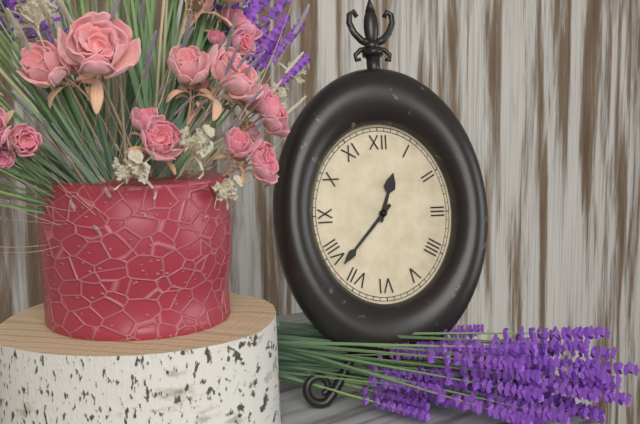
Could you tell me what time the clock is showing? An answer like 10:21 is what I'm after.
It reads 12:37
